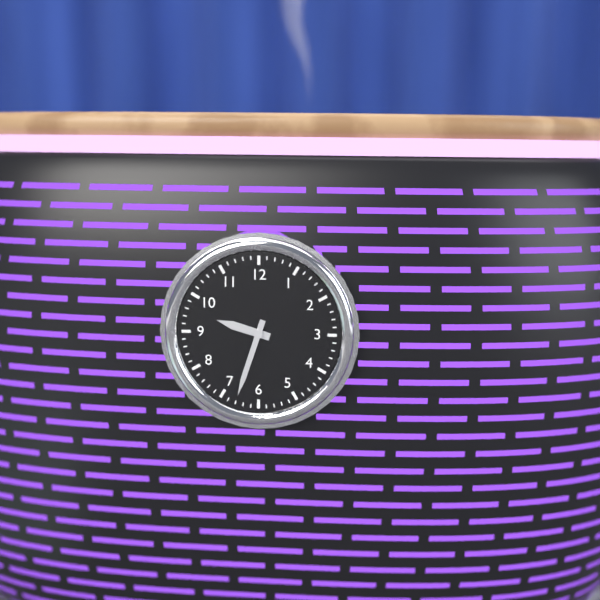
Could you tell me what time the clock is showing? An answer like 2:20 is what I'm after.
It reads 9:33
